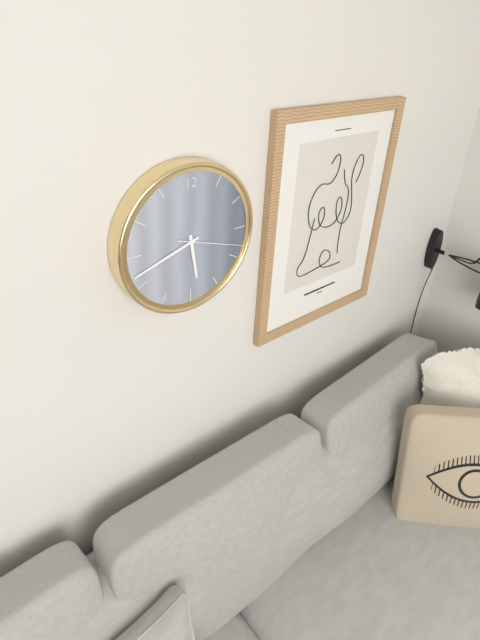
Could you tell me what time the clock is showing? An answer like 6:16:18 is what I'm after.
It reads 5:42:18
